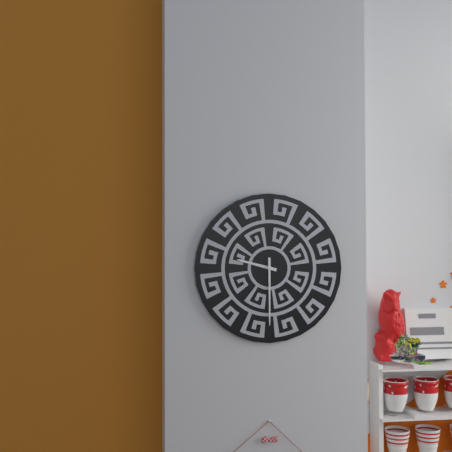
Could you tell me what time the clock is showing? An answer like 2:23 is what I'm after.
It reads 9:30
